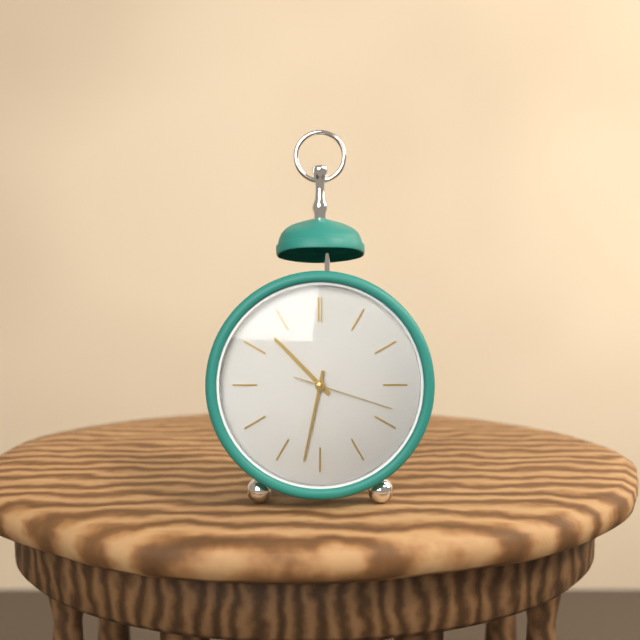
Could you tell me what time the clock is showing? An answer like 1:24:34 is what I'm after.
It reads 10:32:18
